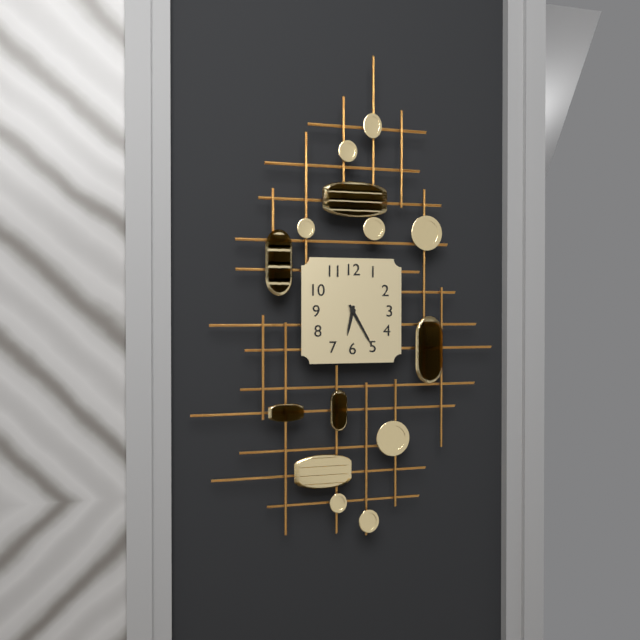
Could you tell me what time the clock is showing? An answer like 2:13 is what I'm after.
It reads 6:25
